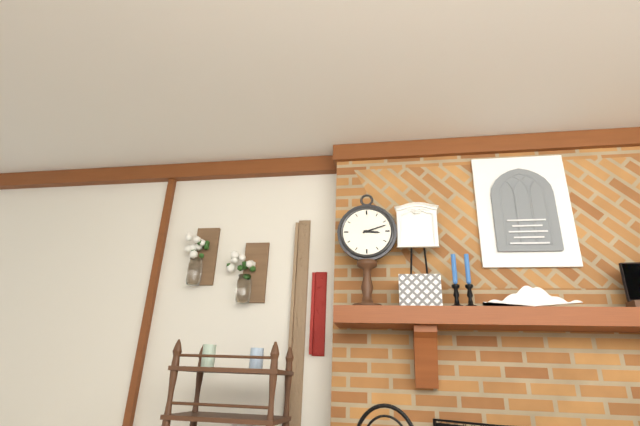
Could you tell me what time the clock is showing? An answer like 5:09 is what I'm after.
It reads 3:12
